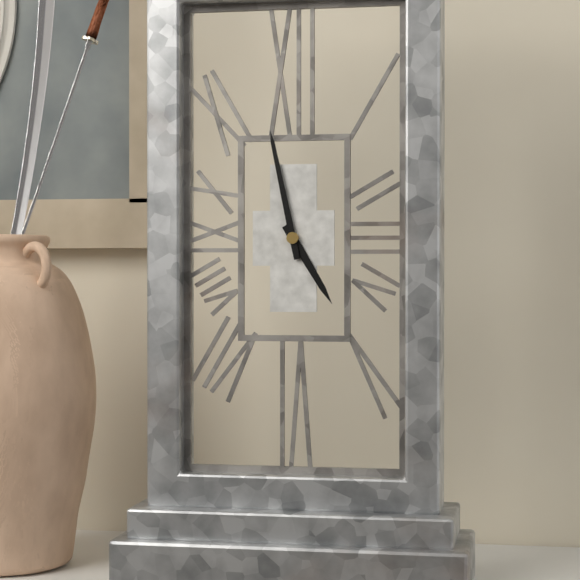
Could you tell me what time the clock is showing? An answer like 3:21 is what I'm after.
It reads 4:58
